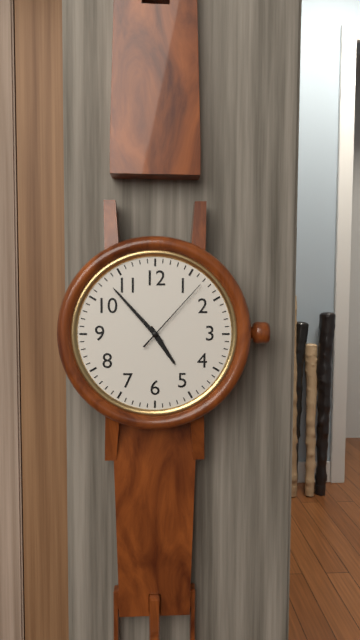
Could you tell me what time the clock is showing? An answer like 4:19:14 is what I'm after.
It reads 4:53:07
